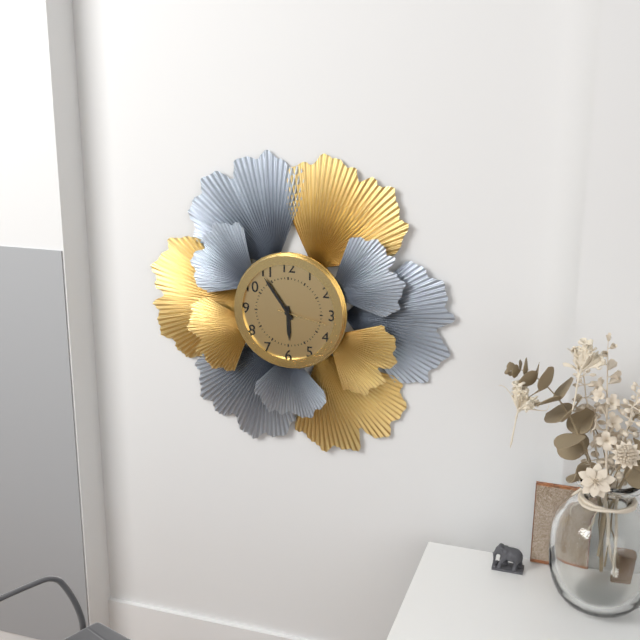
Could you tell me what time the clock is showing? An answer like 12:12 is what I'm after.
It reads 5:54
